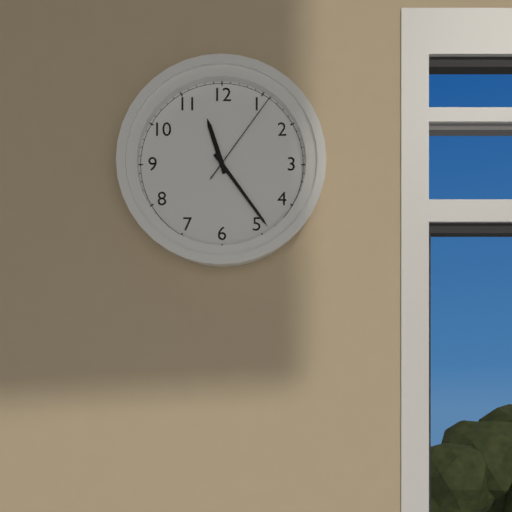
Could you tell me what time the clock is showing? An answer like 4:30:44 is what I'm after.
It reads 11:24:06
